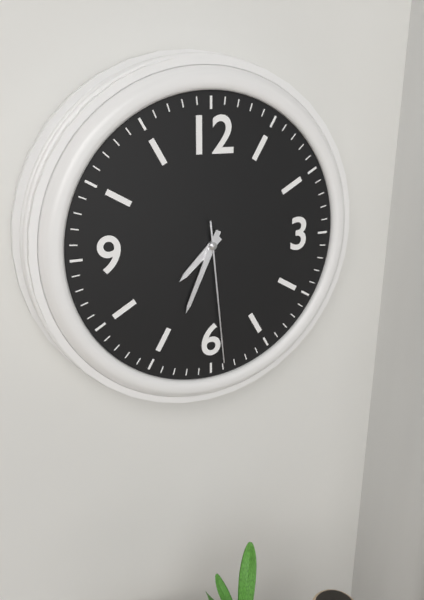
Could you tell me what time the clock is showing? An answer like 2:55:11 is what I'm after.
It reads 7:34:29
